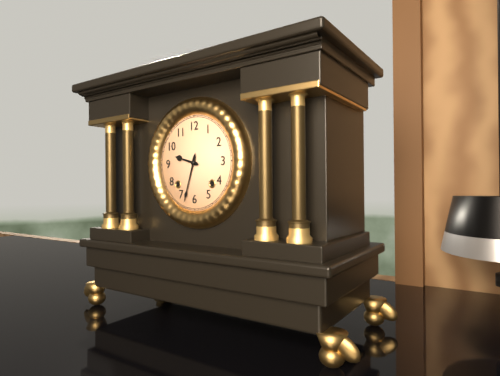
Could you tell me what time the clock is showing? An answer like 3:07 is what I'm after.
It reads 9:33
